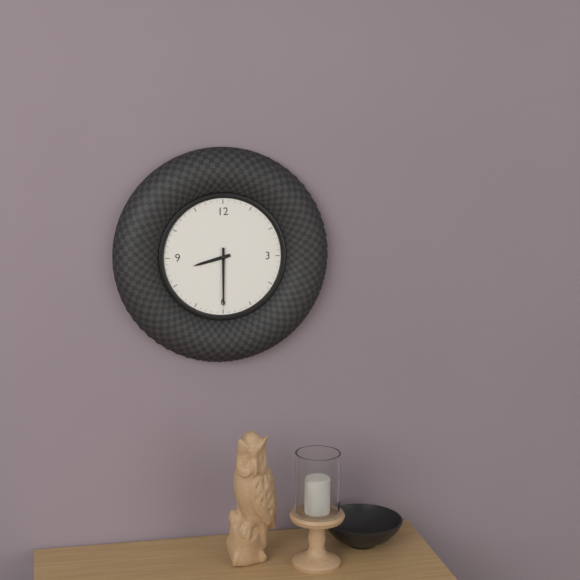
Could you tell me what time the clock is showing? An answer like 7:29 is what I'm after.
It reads 8:30
